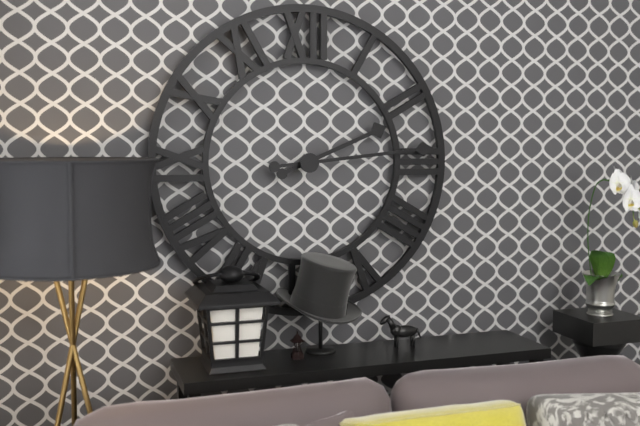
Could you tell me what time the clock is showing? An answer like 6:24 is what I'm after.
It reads 2:14
